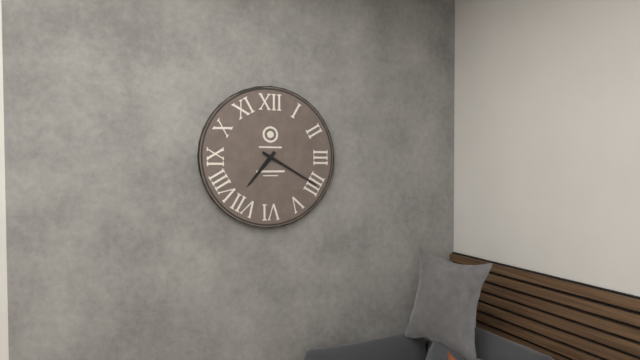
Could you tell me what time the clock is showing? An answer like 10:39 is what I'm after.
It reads 7:20
